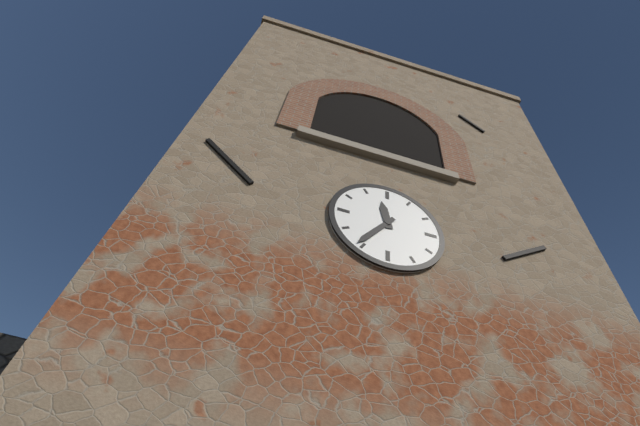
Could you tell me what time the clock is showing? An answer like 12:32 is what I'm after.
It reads 11:36
